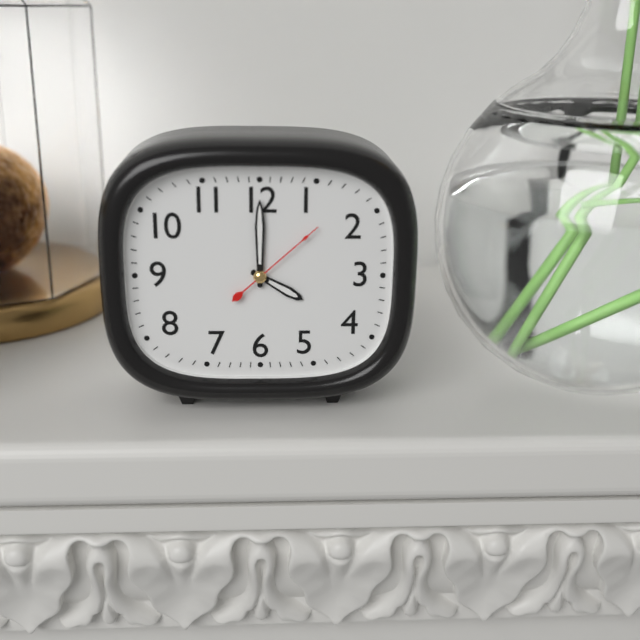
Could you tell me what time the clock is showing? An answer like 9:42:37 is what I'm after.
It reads 4:00:08
